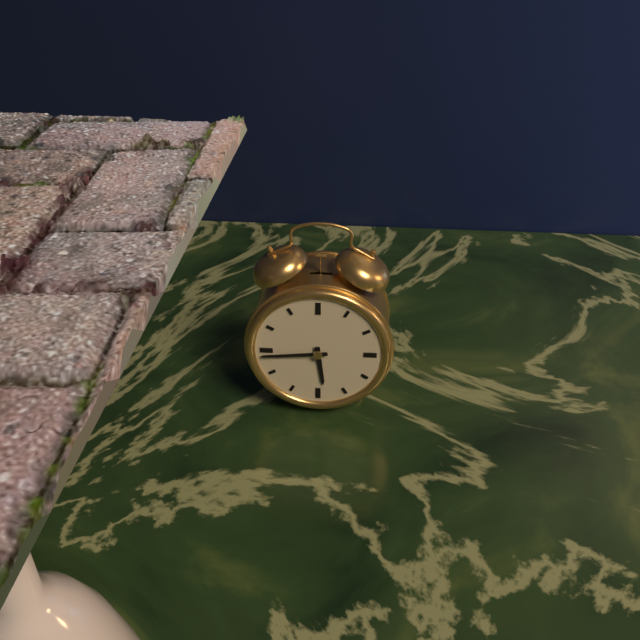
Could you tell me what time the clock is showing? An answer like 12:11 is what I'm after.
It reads 5:44
